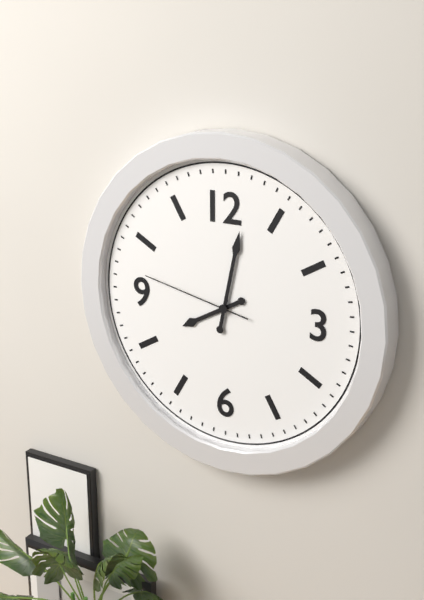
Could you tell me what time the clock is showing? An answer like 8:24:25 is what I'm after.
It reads 8:02:47
